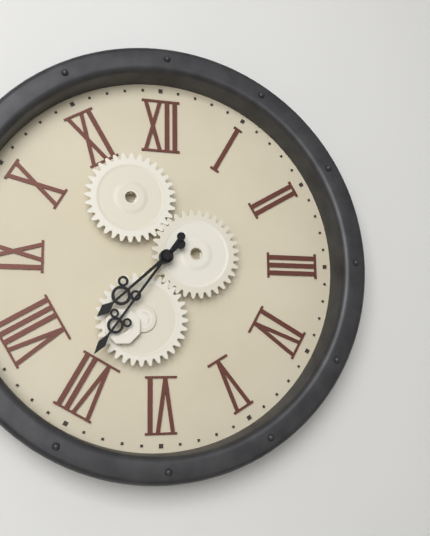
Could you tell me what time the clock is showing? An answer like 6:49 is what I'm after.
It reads 7:36
